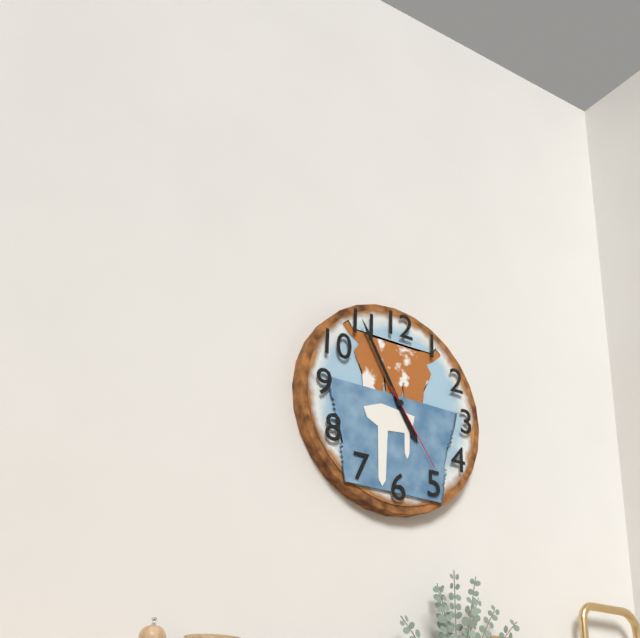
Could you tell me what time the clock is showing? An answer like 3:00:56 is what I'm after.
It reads 4:55:24
